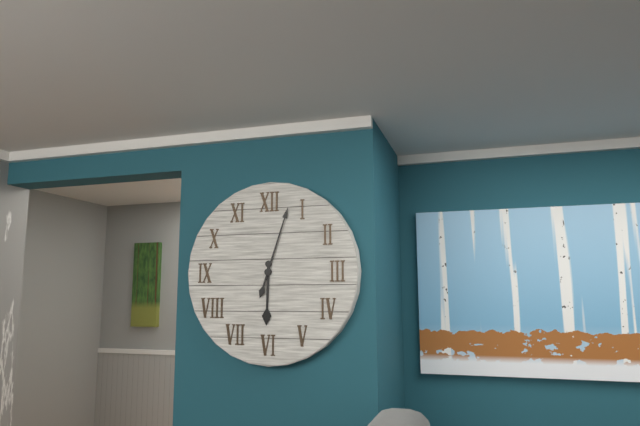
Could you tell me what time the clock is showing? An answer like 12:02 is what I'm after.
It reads 6:03
